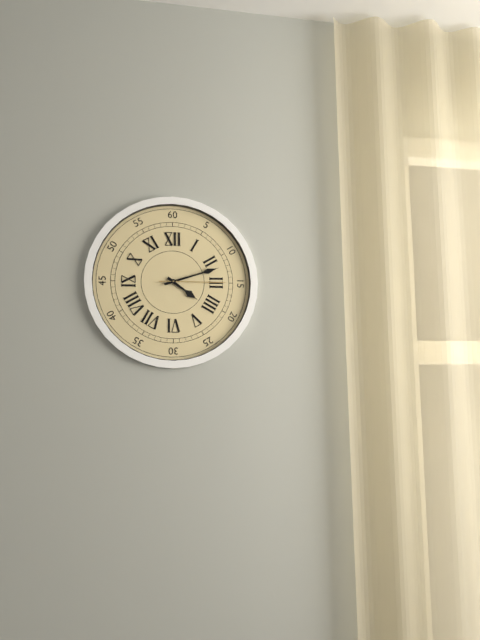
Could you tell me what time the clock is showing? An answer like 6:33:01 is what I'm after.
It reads 4:12:15
